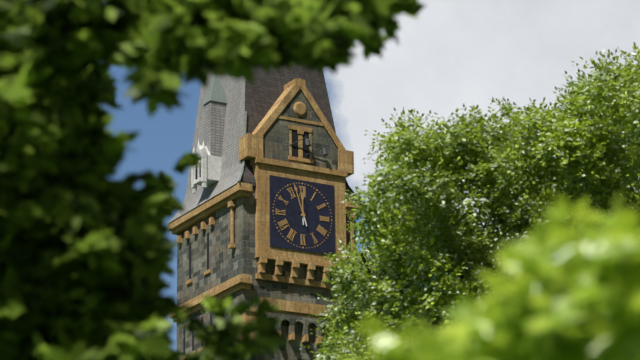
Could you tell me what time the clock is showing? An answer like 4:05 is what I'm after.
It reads 11:57
